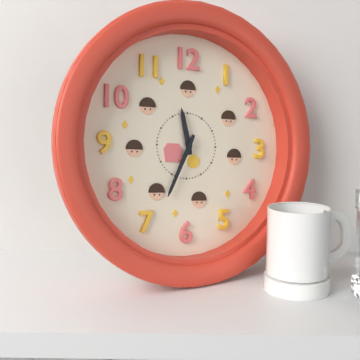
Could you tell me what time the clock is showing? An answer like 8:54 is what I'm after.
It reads 11:34
